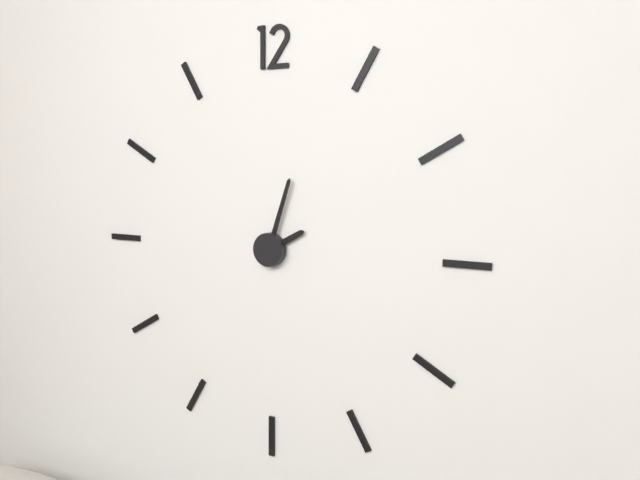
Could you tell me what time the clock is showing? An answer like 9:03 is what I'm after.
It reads 2:03
